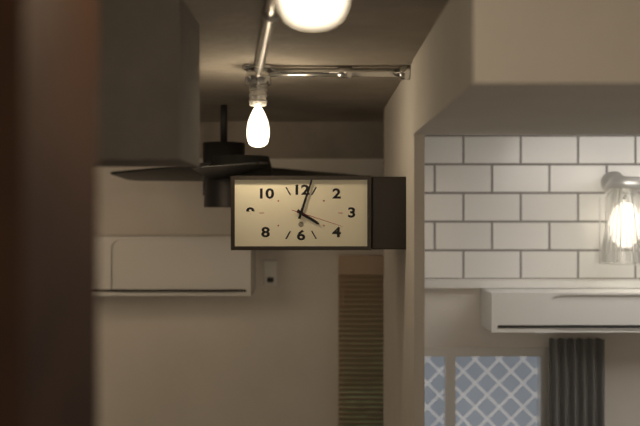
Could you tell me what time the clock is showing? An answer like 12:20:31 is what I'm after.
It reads 4:03:18
